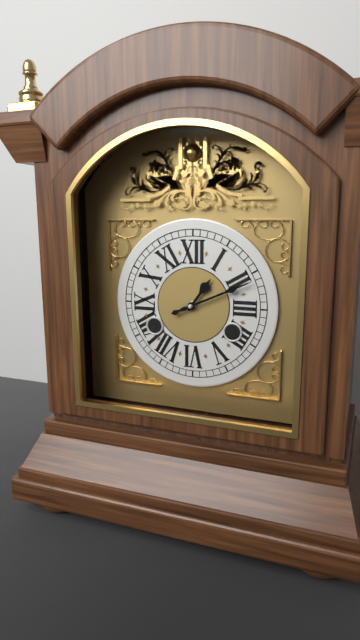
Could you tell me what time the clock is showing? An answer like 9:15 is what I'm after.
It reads 1:11
